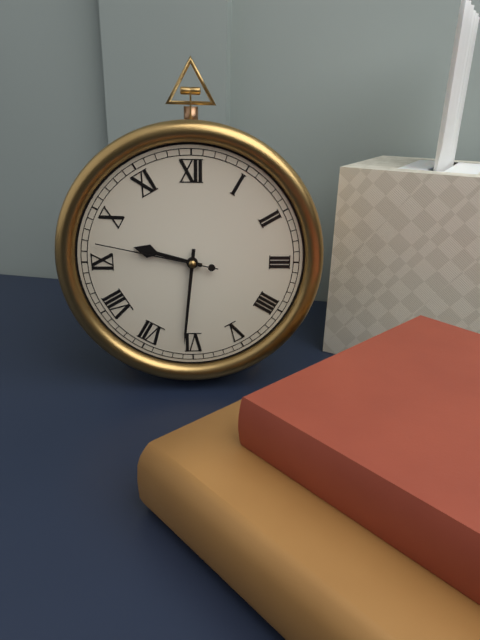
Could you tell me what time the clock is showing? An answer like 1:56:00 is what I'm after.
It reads 9:31:47
